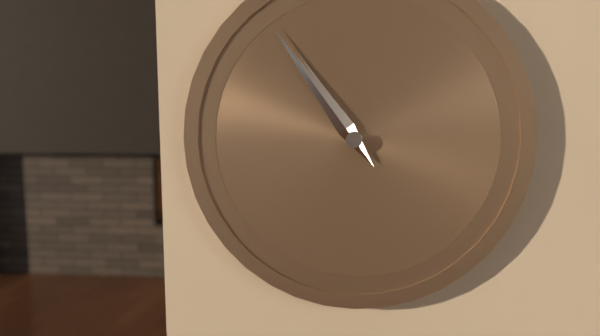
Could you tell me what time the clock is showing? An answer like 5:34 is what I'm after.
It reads 10:54
